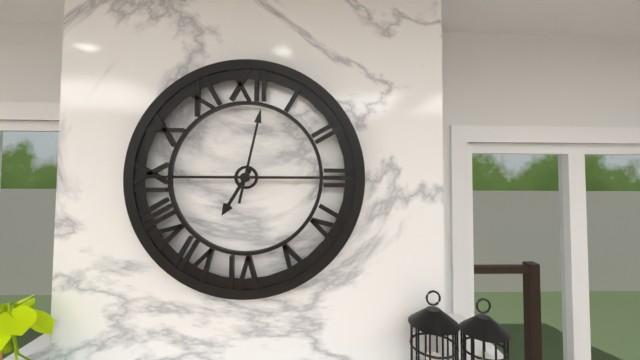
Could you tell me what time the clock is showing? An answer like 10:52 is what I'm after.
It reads 7:02
